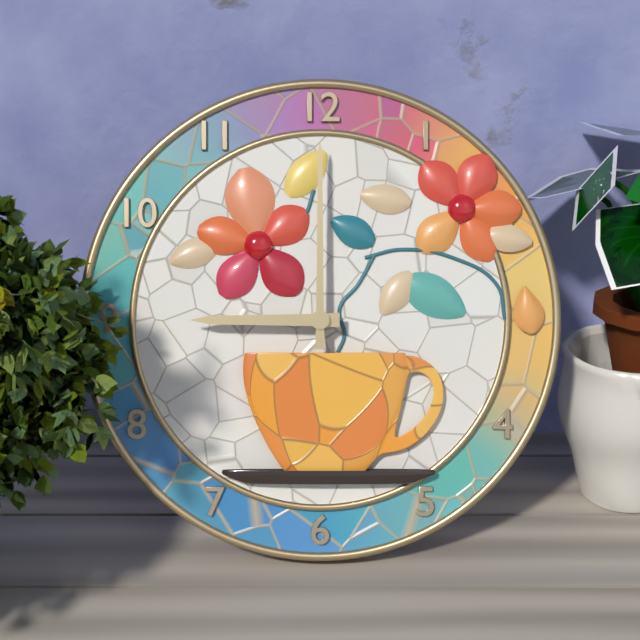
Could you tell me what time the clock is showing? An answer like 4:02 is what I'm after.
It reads 9:00
